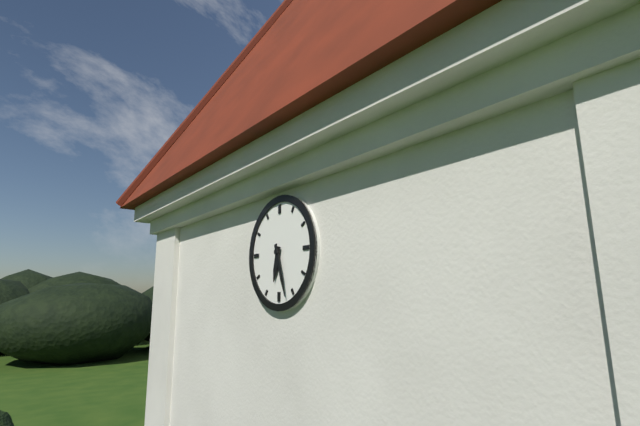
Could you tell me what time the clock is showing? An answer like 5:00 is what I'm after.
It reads 6:27
